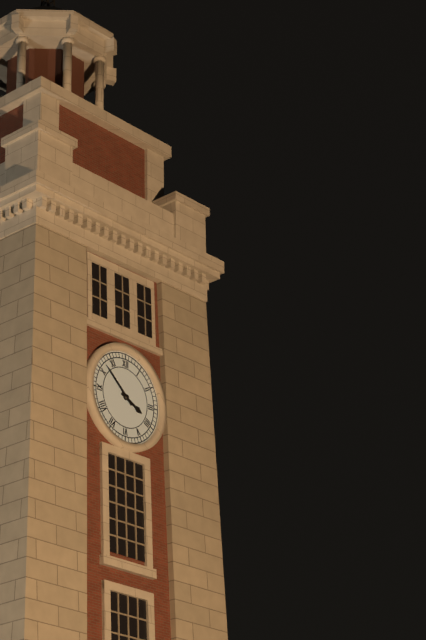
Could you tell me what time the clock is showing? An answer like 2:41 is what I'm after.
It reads 3:52
